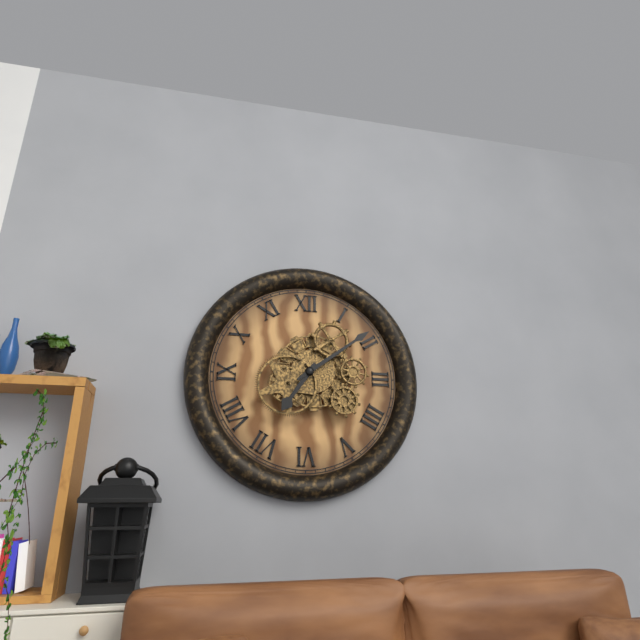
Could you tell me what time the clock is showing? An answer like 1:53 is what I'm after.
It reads 7:09
